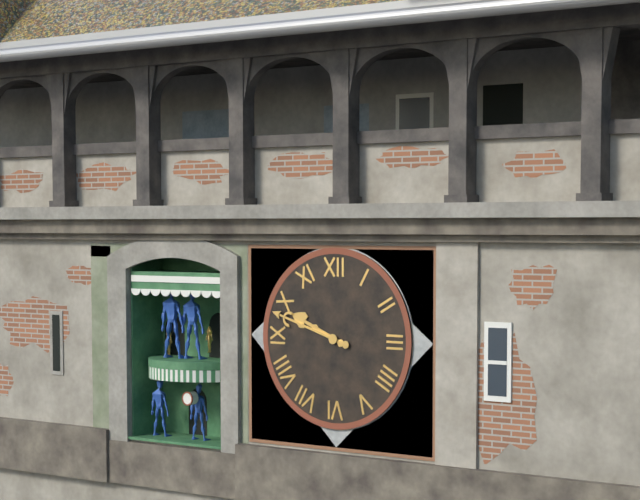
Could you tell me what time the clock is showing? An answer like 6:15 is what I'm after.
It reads 9:48
